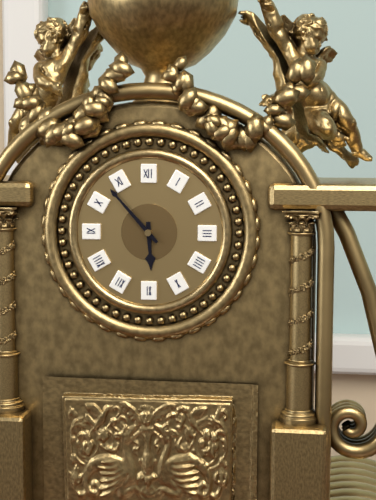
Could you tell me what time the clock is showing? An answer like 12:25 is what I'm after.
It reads 5:53
